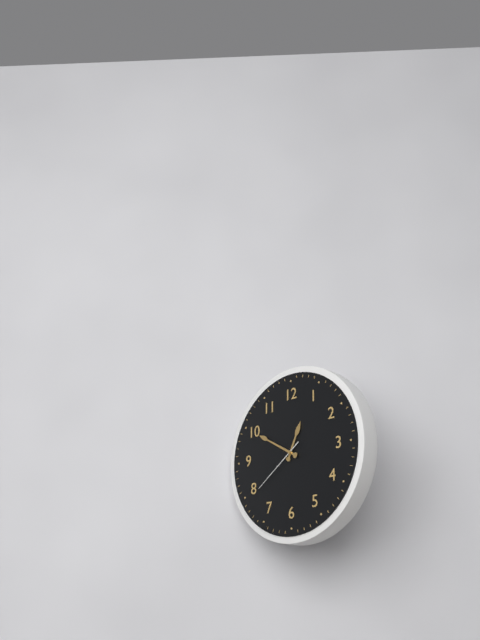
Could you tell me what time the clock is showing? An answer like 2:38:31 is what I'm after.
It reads 12:50:39
